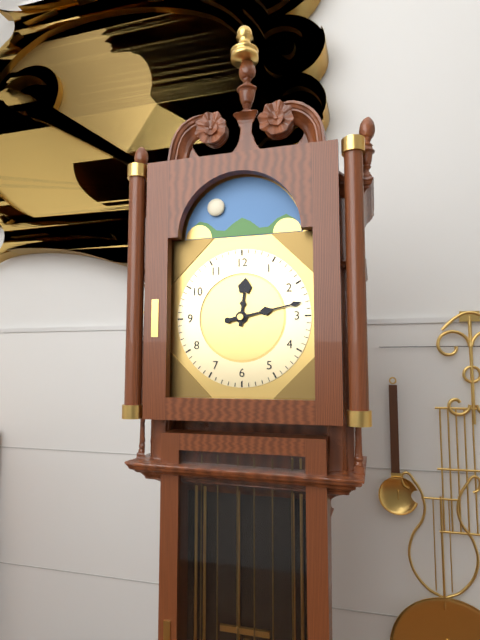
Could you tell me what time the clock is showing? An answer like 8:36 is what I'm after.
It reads 12:13
